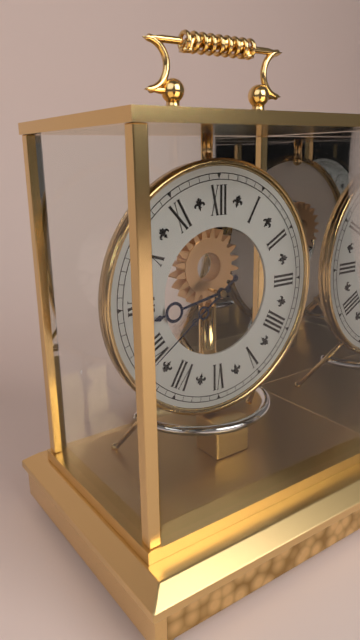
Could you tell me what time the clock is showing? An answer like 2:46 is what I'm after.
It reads 8:39
